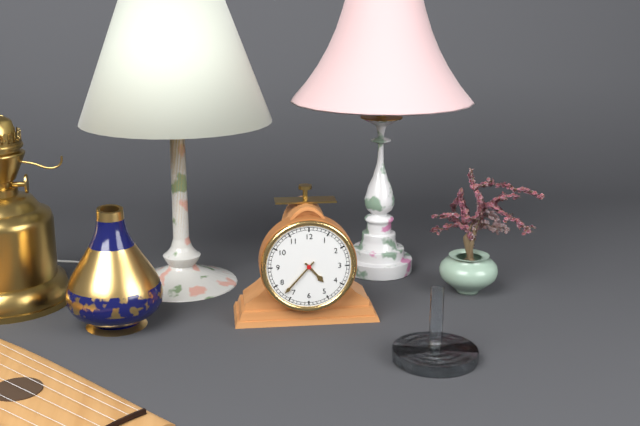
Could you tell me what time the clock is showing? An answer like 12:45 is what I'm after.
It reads 4:37
